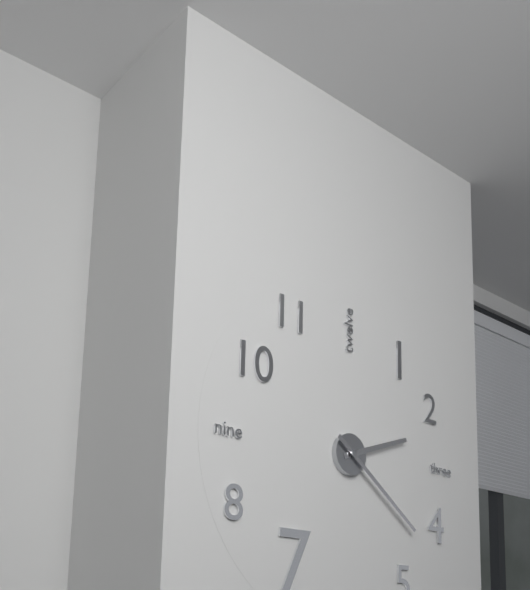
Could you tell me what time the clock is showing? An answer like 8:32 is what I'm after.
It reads 2:21
